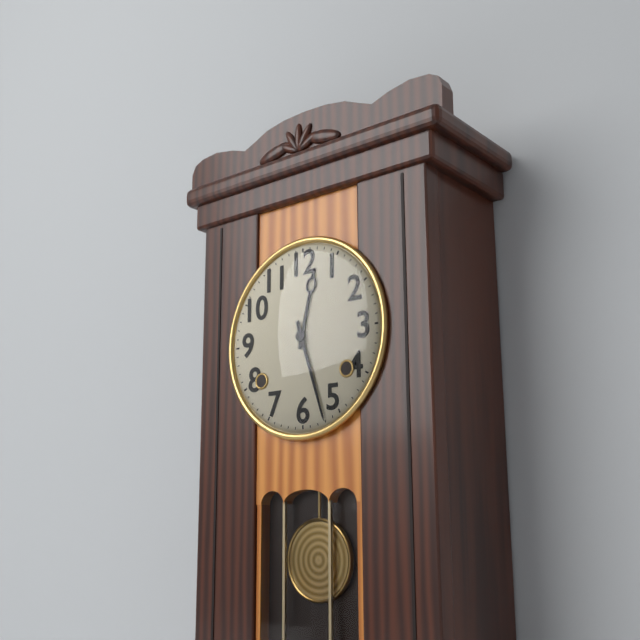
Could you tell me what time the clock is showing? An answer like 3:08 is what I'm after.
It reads 12:27
